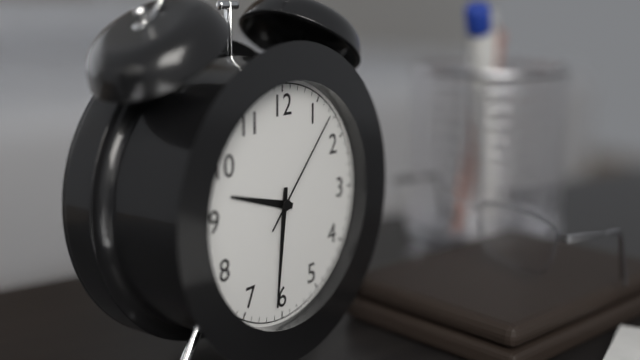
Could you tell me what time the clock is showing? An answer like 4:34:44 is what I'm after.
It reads 9:31:07
